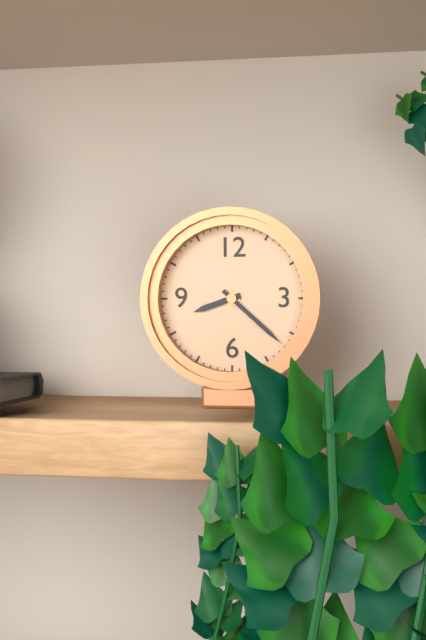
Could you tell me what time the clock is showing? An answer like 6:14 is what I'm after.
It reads 8:22
